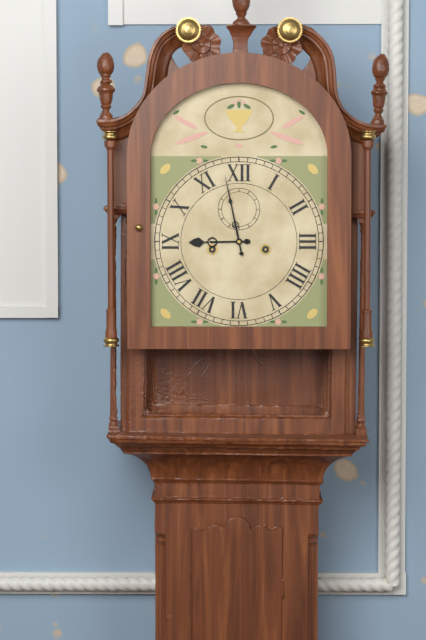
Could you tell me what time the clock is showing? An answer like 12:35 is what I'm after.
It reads 8:58
